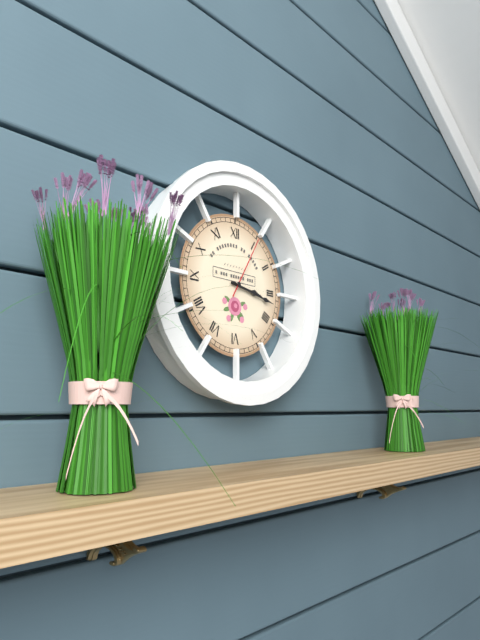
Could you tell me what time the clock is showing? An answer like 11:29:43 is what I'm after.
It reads 3:17:05
